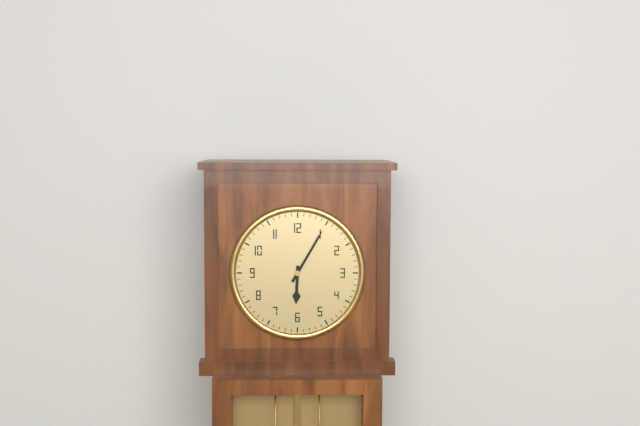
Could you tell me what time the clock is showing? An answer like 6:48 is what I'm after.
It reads 6:05
